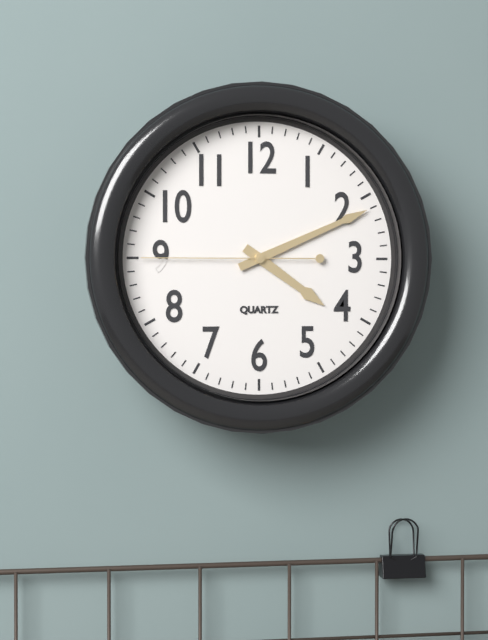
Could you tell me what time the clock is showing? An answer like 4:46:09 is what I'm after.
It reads 4:11:45
